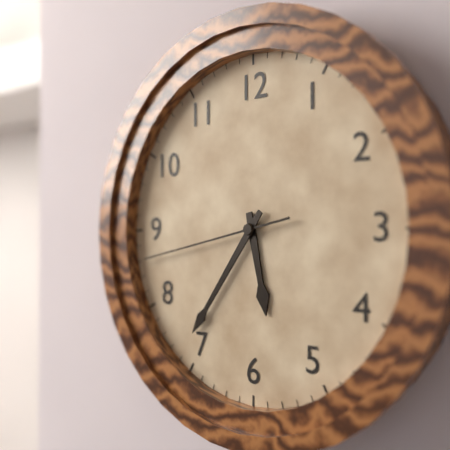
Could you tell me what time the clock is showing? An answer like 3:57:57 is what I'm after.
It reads 5:36:43
